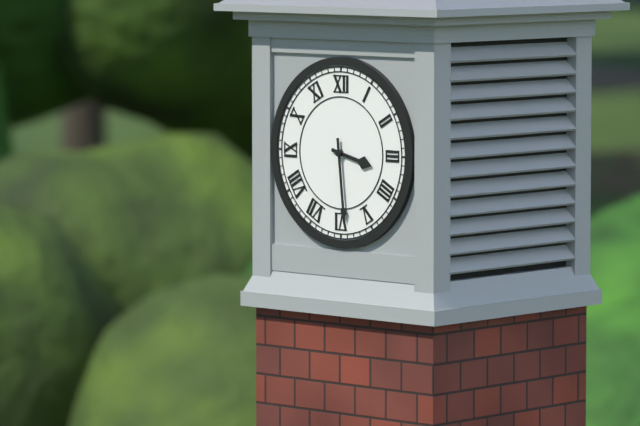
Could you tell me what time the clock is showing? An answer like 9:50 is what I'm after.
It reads 3:29
